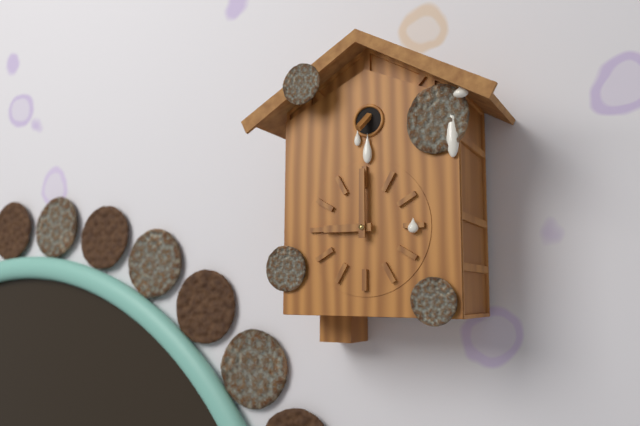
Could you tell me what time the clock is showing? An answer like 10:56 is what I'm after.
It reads 9:00
